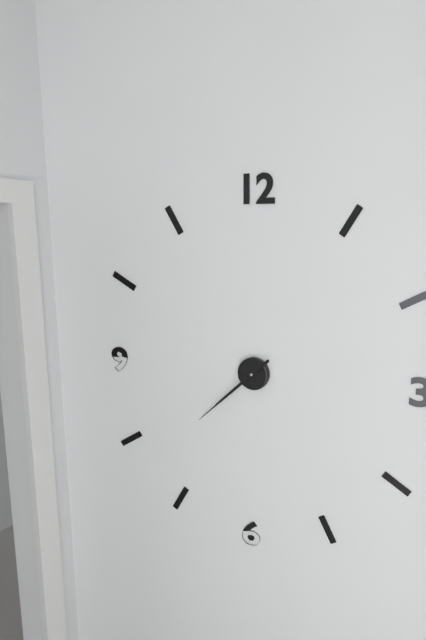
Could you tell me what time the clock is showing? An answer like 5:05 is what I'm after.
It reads 7:38
